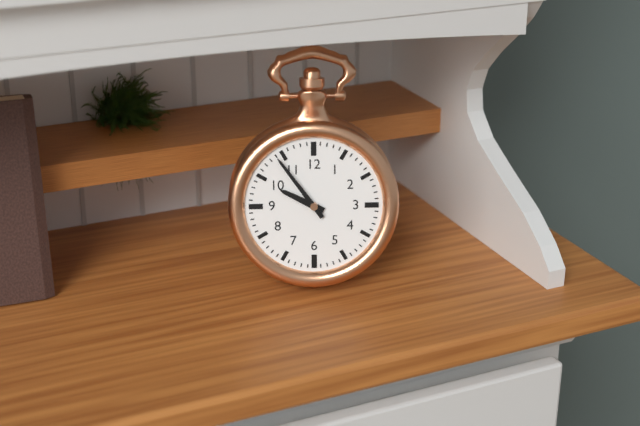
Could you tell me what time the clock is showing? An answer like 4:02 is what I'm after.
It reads 9:54
